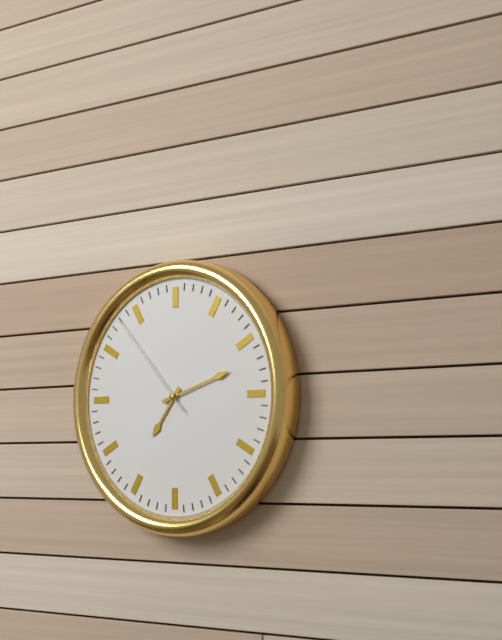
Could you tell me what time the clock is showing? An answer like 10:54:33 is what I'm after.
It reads 7:12:53
